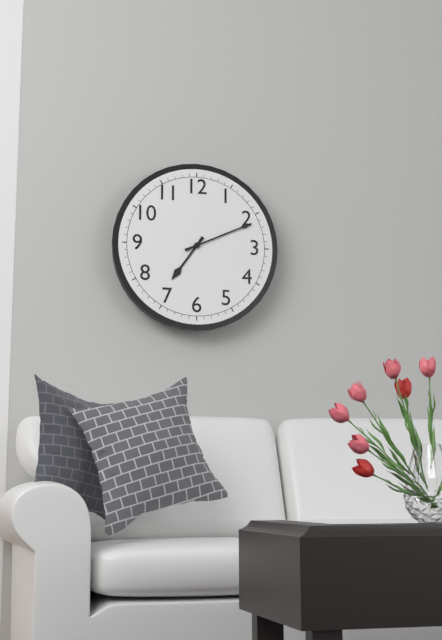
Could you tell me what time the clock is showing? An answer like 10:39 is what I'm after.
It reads 7:11
